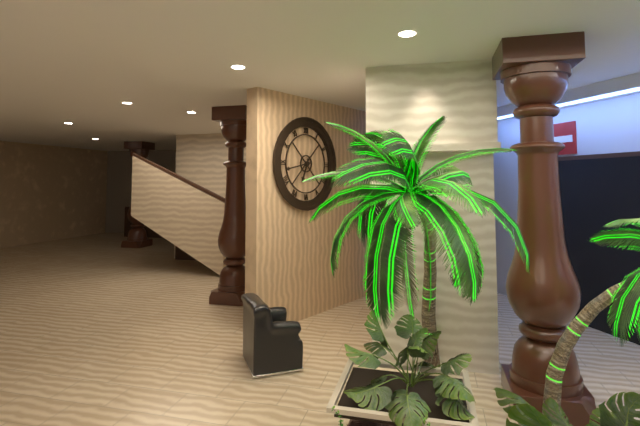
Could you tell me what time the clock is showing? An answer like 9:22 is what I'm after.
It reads 6:43
